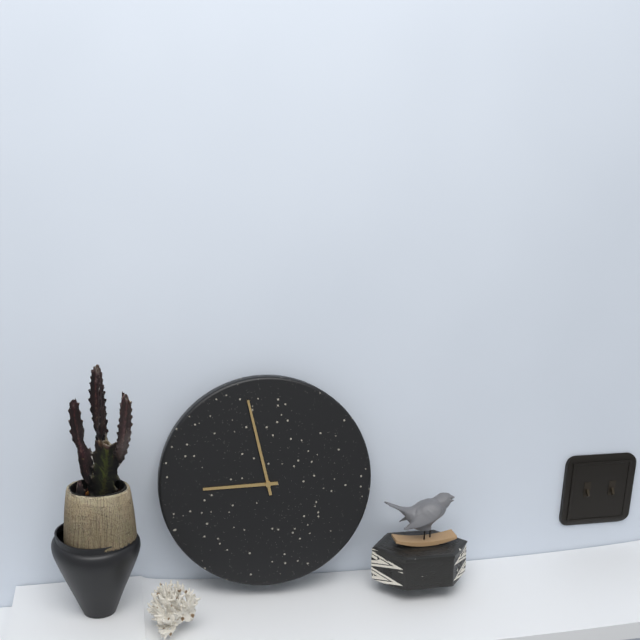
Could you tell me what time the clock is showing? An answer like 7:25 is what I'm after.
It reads 8:58
